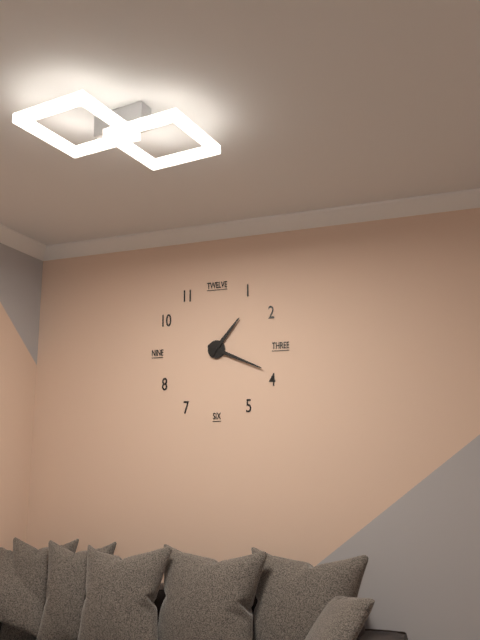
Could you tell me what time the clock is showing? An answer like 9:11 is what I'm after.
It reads 1:19
